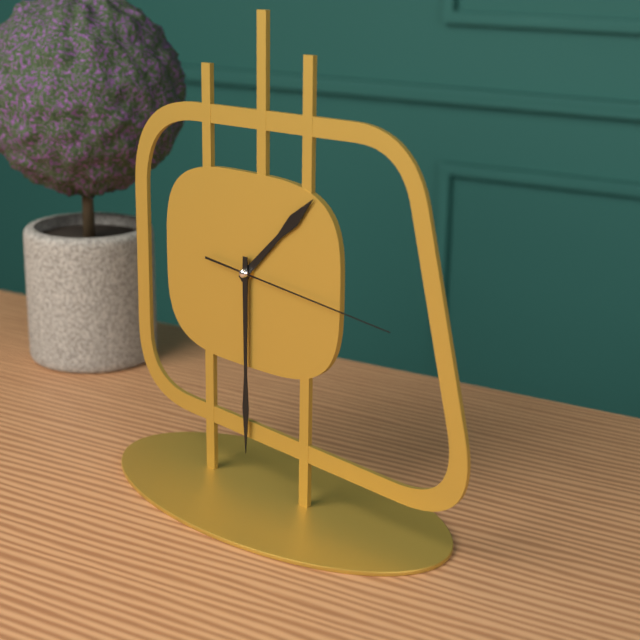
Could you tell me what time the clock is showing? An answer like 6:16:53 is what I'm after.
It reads 1:30:16
